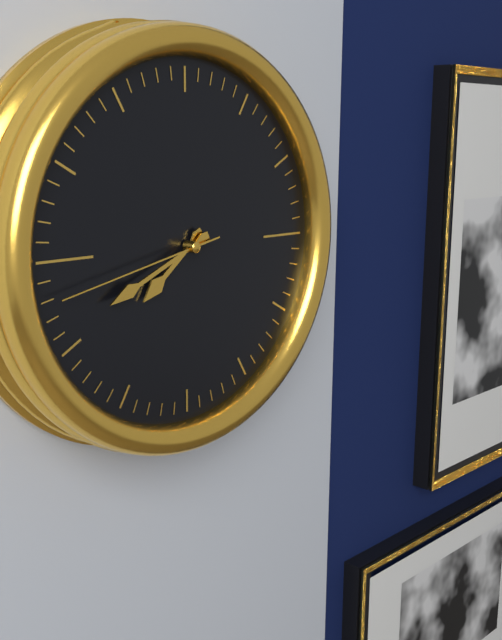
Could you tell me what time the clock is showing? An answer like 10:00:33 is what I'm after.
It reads 7:41:43
